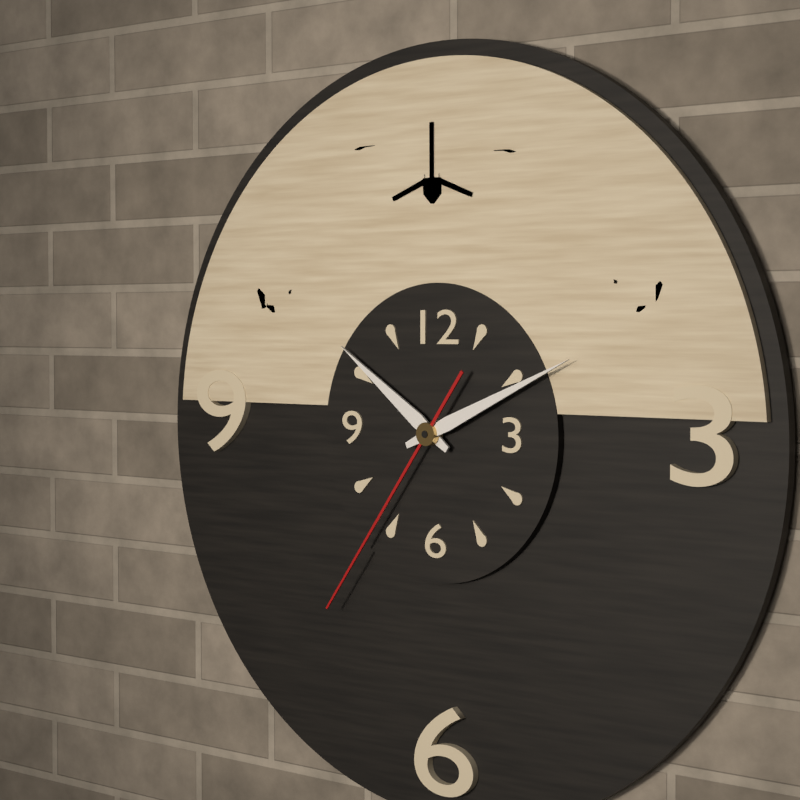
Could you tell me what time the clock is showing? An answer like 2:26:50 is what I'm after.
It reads 10:11:36
